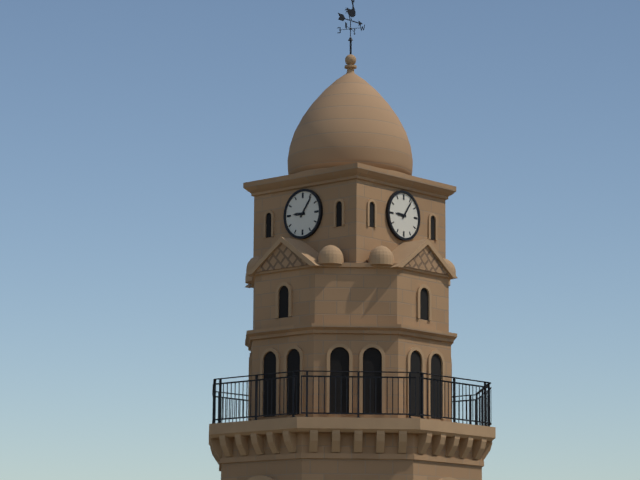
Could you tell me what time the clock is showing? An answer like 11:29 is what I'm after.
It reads 9:06
